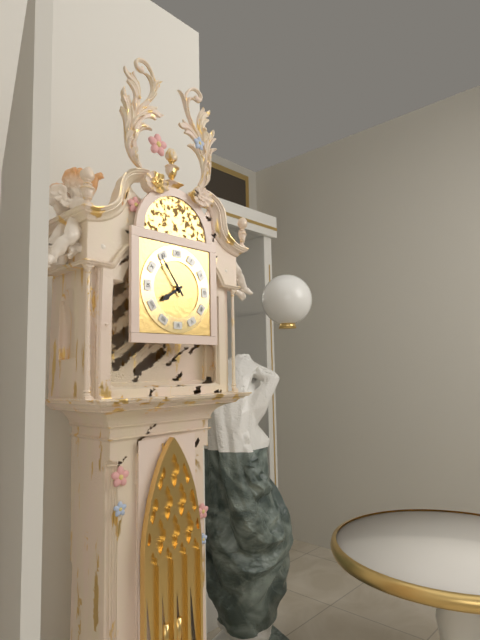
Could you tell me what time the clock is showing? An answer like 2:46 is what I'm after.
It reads 7:54
